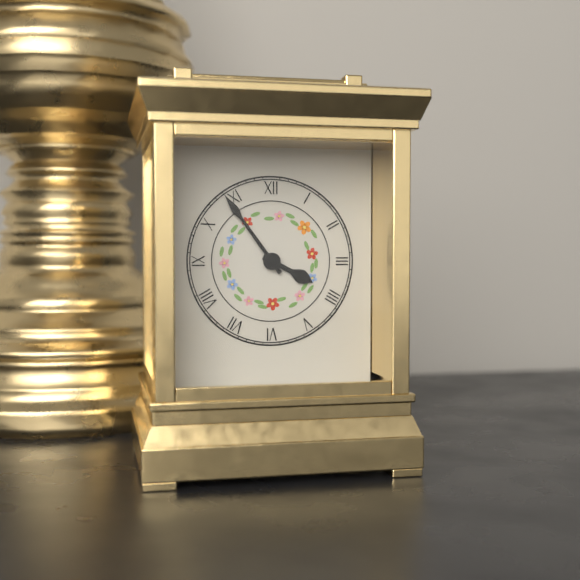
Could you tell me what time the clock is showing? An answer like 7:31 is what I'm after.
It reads 3:54
